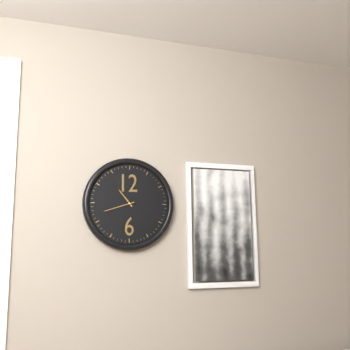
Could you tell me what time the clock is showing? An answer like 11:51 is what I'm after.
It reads 10:42
